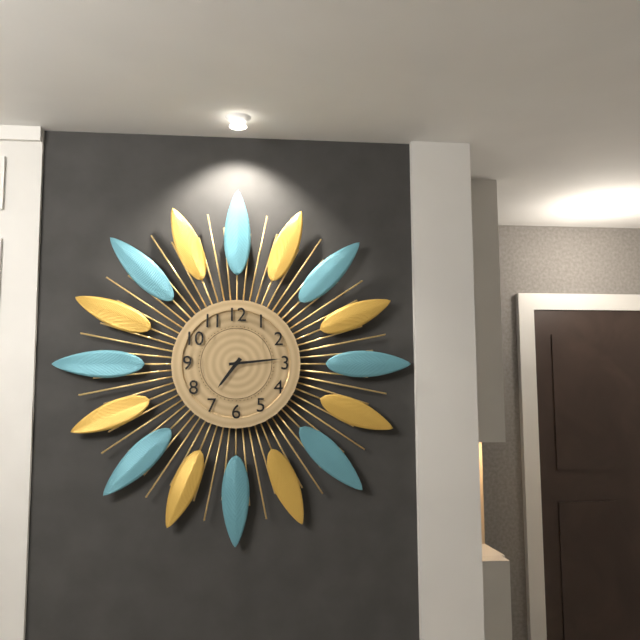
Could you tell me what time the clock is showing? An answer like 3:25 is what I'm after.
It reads 7:14
